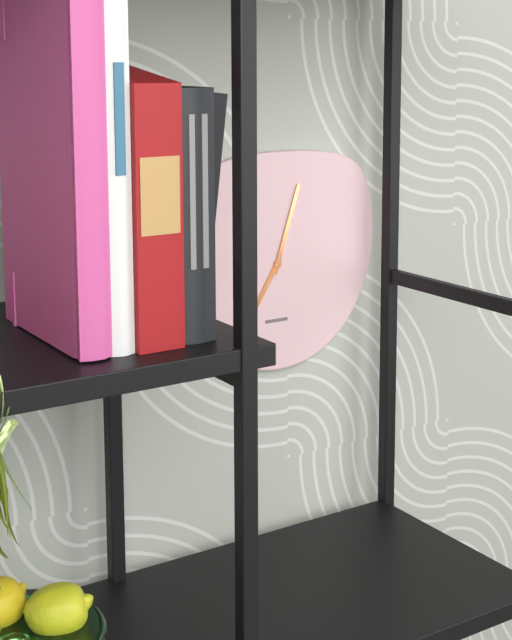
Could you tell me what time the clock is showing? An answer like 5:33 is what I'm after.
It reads 7:03
